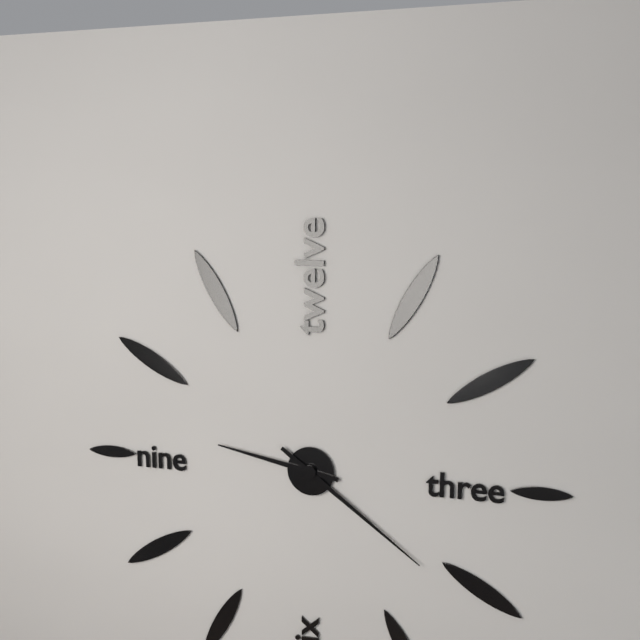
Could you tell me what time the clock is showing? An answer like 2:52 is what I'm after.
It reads 9:21
